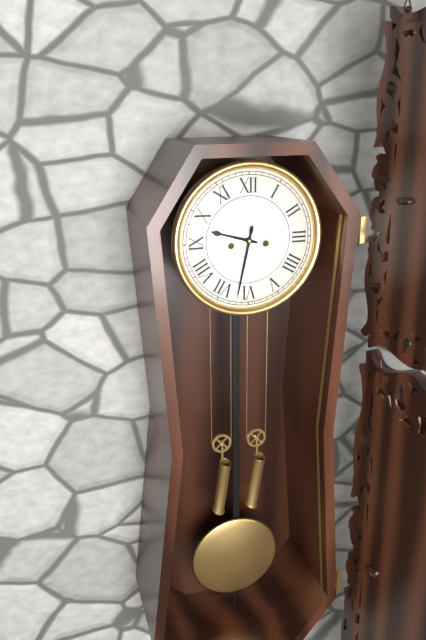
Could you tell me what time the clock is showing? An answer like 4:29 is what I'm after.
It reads 9:32
